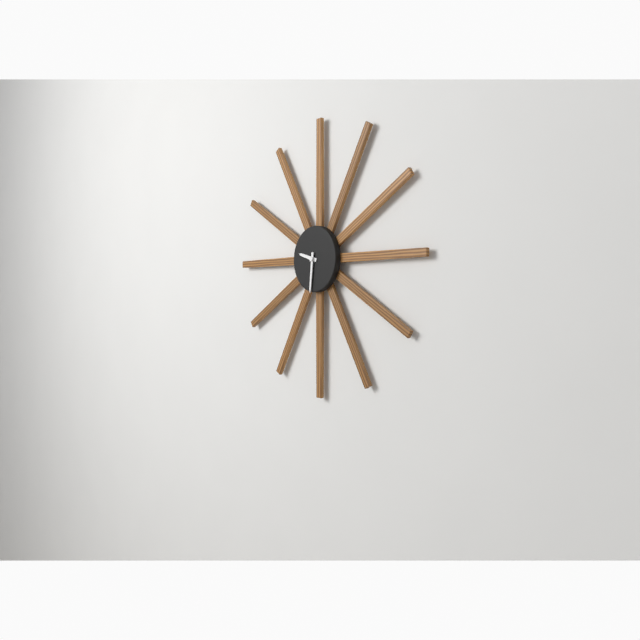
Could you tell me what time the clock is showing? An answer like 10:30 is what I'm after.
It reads 9:31
